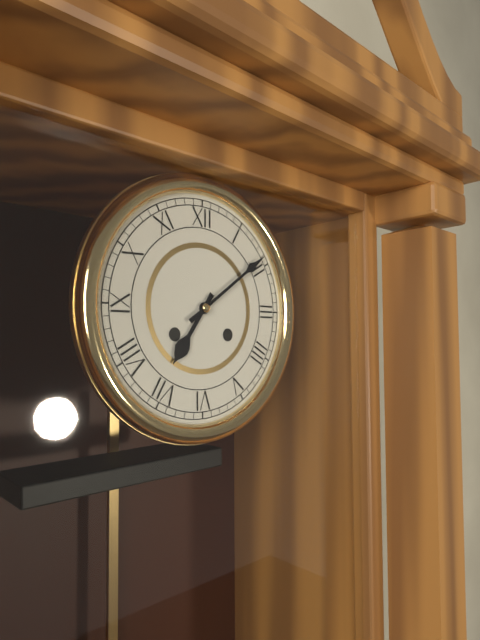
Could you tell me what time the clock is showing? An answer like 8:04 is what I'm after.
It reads 7:09
